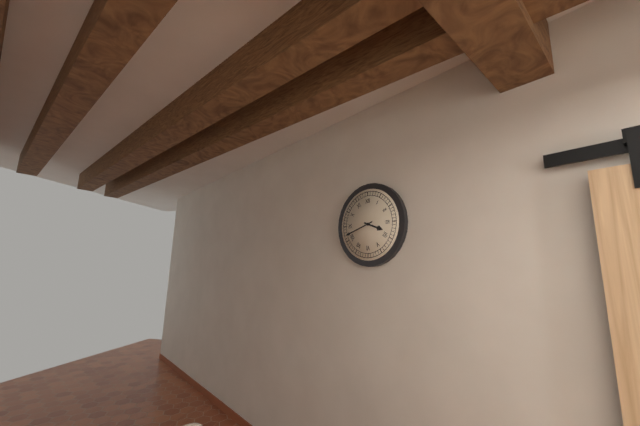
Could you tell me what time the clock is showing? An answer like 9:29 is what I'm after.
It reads 3:42
